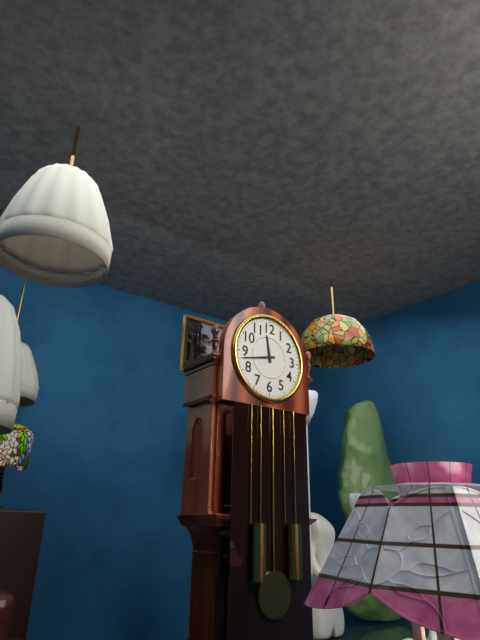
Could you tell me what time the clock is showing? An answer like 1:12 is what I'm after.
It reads 11:43
